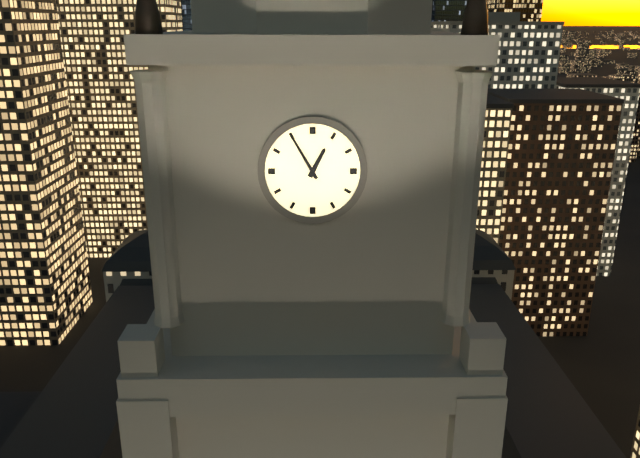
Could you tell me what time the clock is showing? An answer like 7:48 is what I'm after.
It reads 12:55
